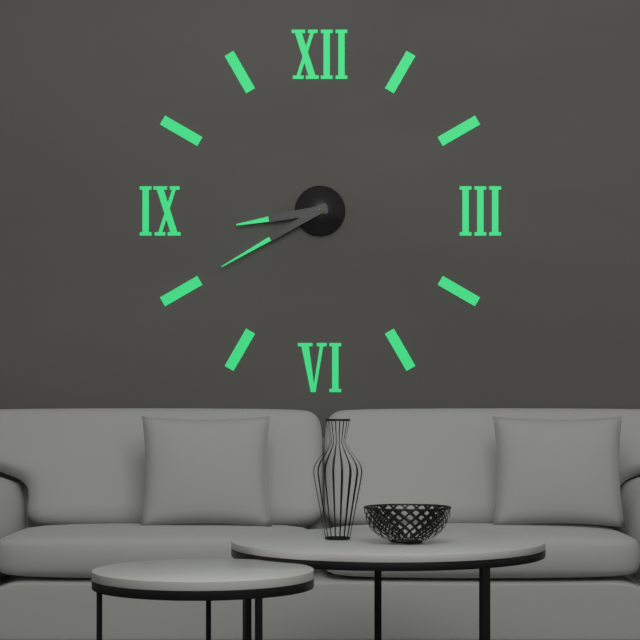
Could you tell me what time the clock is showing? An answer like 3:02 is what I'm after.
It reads 8:40
